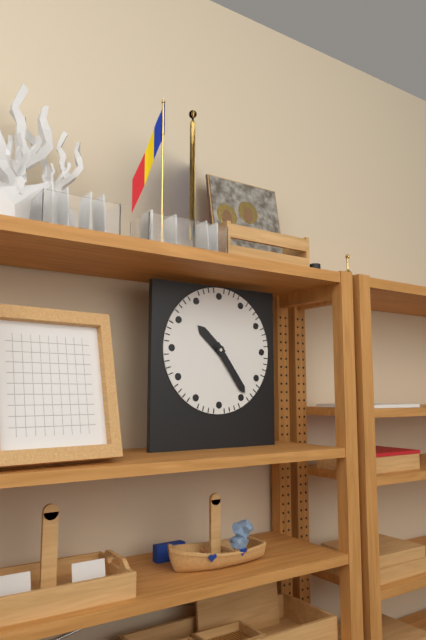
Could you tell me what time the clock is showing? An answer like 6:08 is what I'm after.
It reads 10:24
